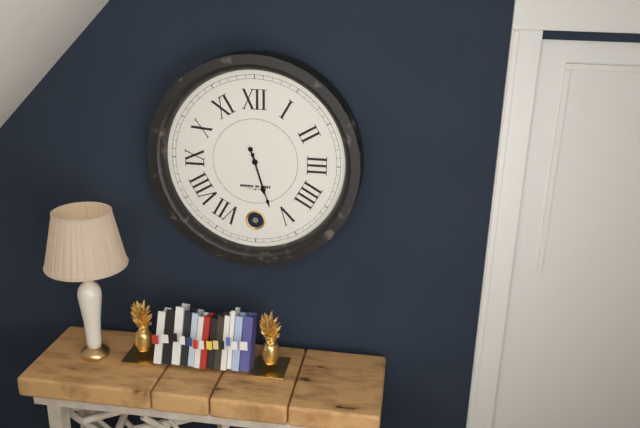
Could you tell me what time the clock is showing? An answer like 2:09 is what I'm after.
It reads 5:27
